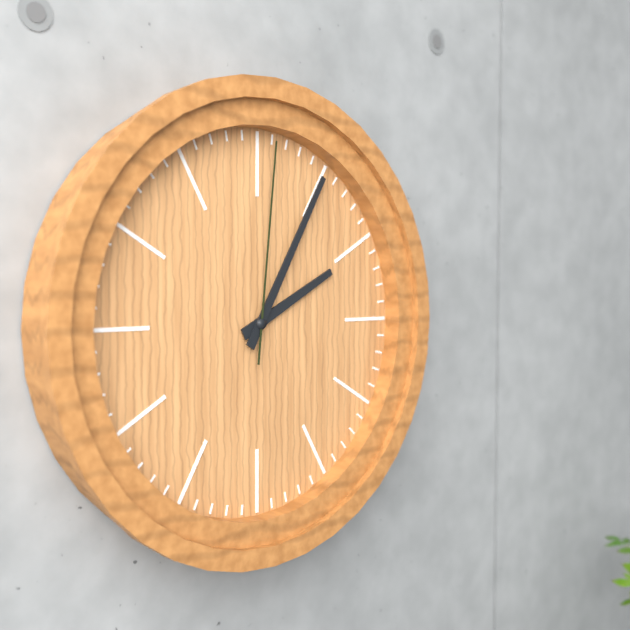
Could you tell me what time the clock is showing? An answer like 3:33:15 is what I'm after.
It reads 2:05:01
